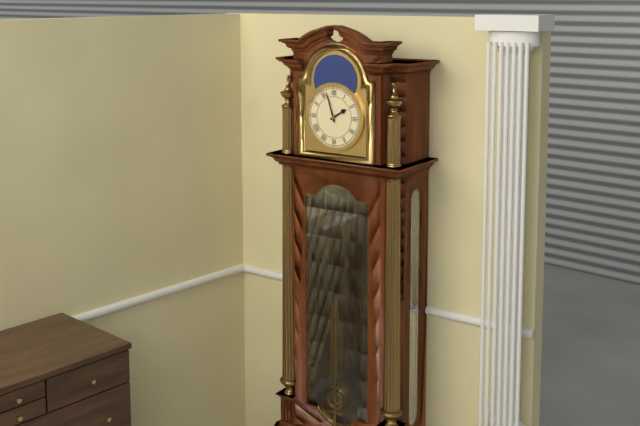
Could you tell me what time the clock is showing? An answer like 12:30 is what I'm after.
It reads 1:57
